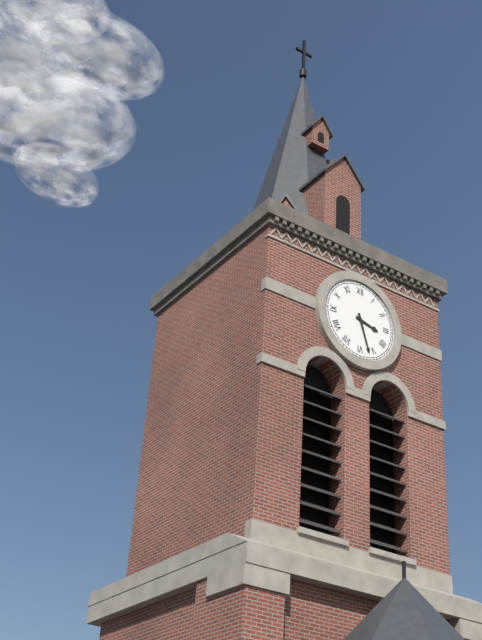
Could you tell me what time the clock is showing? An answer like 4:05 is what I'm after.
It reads 3:27
